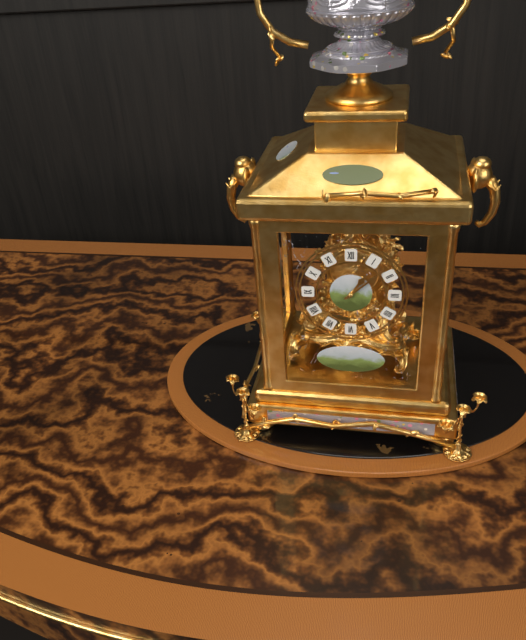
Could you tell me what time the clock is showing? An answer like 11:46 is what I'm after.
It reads 1:08
